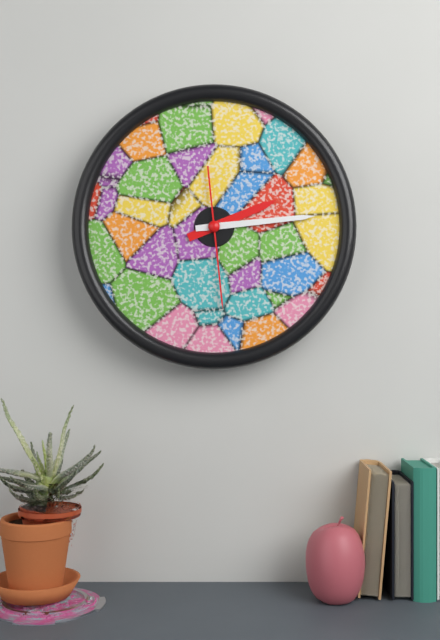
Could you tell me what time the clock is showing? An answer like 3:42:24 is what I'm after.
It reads 2:14:29
